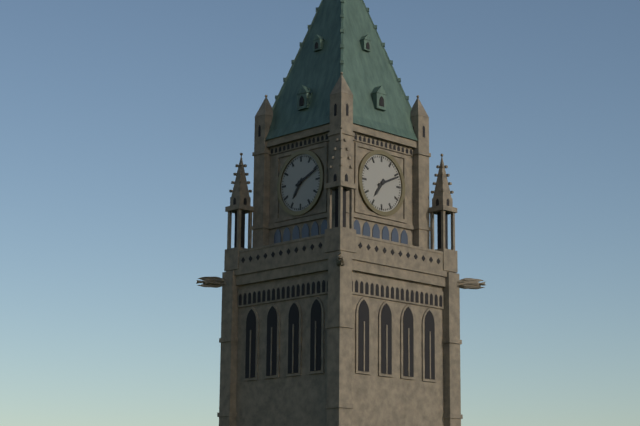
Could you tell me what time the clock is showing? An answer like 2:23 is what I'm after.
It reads 7:11
